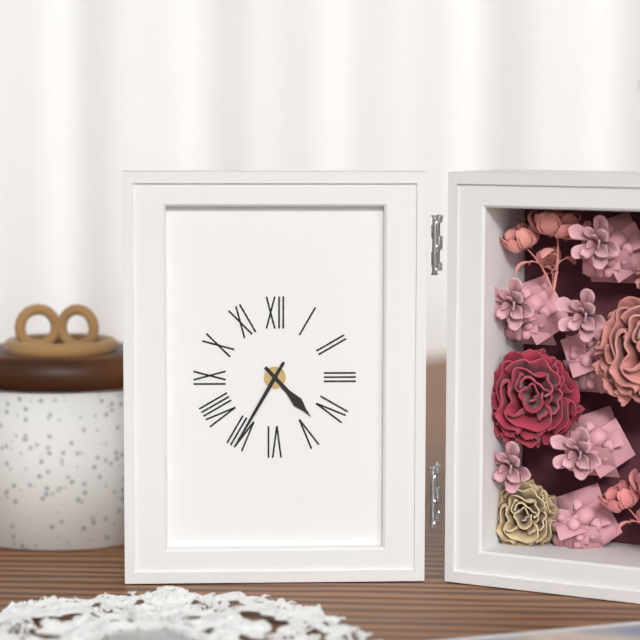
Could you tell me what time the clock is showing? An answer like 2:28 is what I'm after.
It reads 4:35
